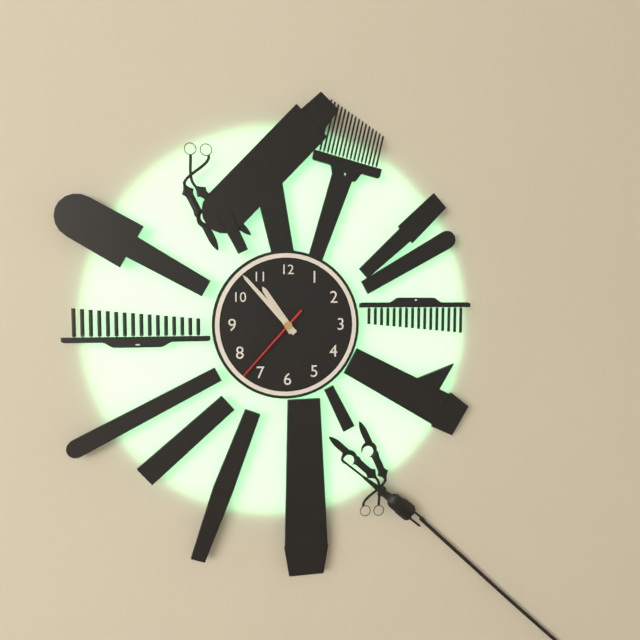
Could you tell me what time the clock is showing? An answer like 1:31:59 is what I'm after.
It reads 10:53:37
